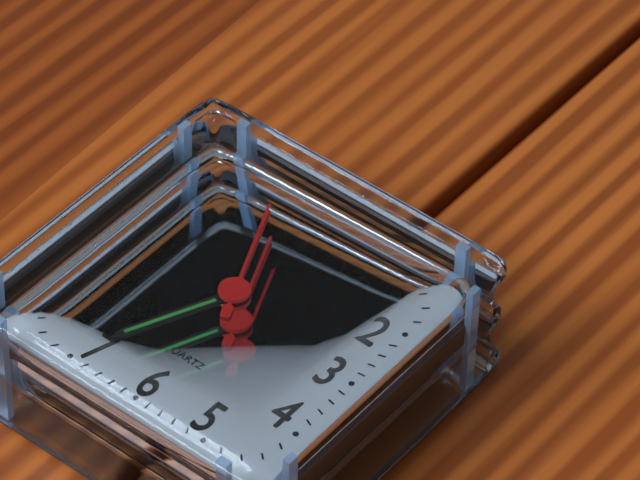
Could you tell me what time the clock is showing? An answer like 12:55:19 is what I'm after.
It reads 12:34:56
